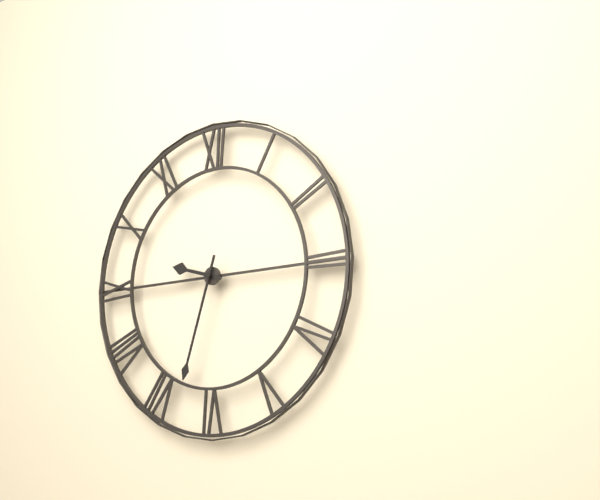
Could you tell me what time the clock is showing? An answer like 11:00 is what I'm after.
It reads 9:33
